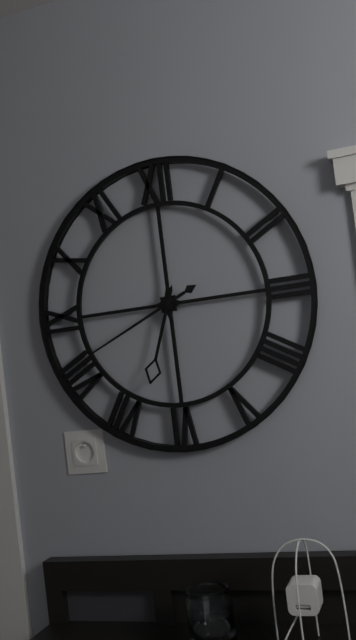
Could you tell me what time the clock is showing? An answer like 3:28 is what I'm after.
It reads 6:41
